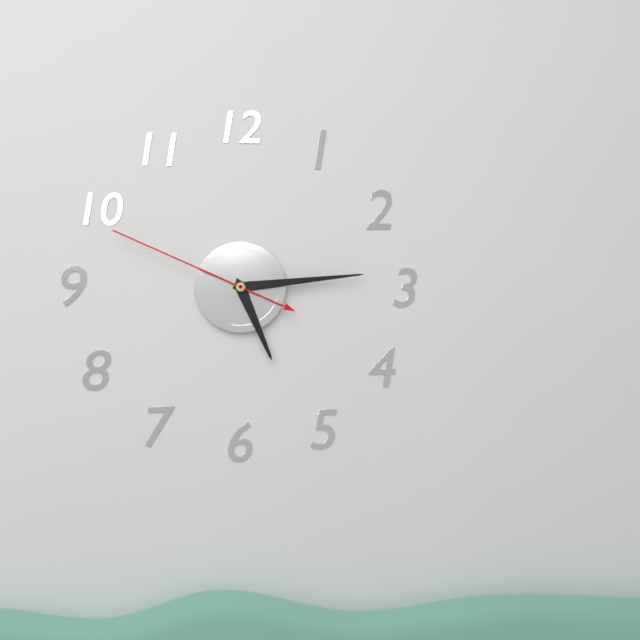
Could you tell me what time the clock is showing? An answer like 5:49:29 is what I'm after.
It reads 5:14:49
